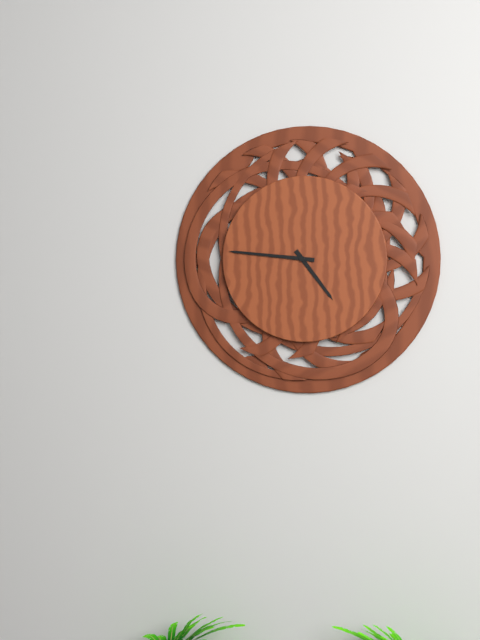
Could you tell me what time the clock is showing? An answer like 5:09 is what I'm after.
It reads 4:46
